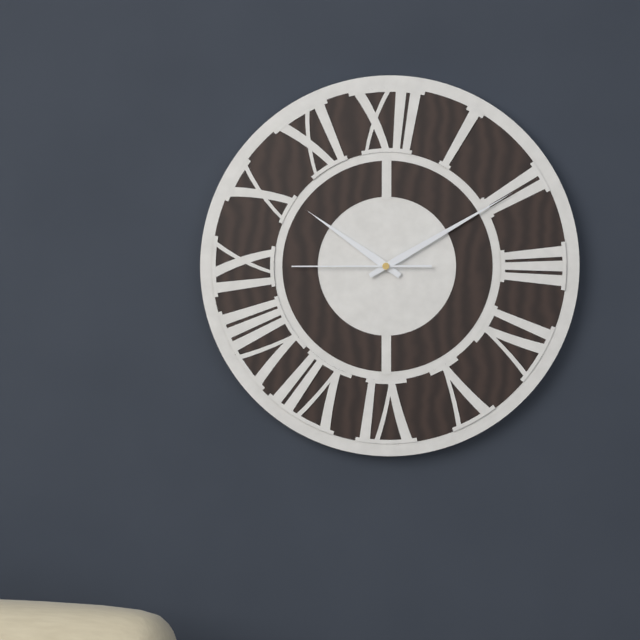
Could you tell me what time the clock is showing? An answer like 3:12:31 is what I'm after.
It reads 10:10:45
